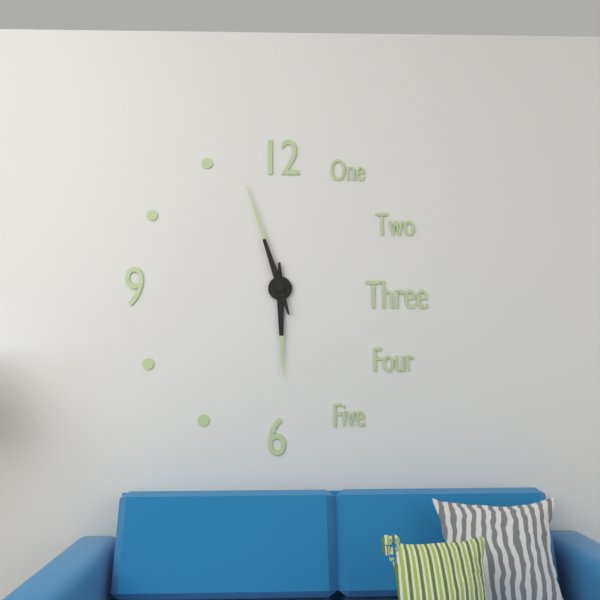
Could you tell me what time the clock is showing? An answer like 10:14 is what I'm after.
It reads 5:57
